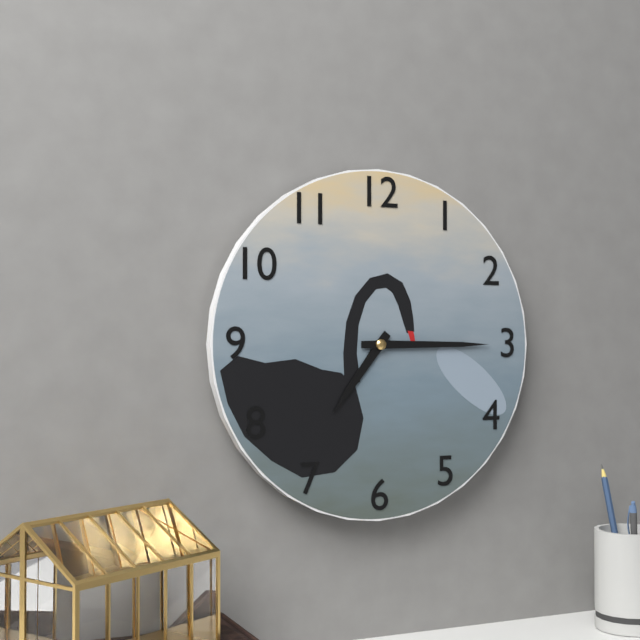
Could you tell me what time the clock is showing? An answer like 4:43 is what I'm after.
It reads 7:15
